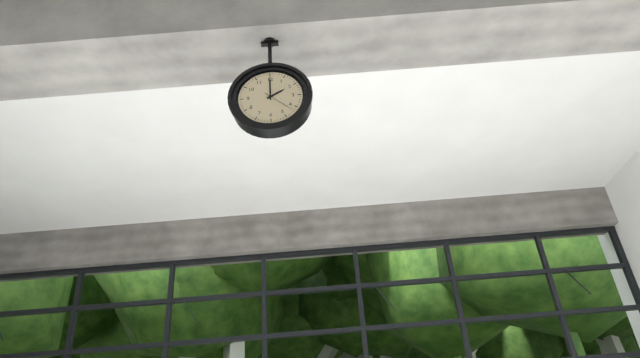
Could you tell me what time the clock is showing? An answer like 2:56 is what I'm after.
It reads 2:00
